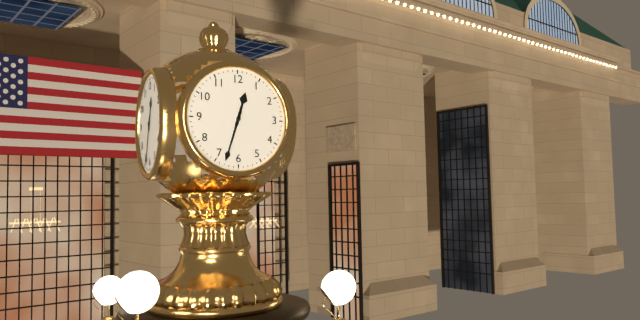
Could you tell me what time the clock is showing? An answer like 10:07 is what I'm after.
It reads 12:33
